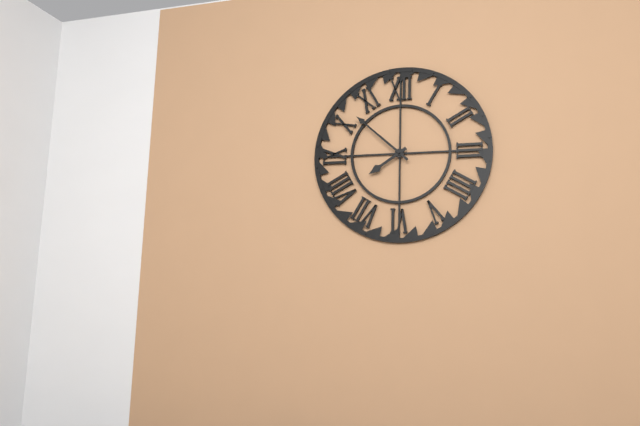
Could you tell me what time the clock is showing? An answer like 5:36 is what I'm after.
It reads 7:52
